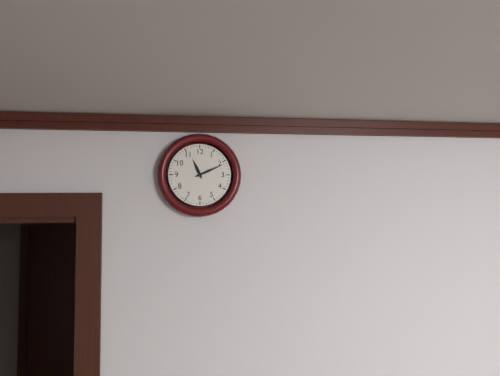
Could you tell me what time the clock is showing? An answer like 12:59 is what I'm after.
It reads 11:11
